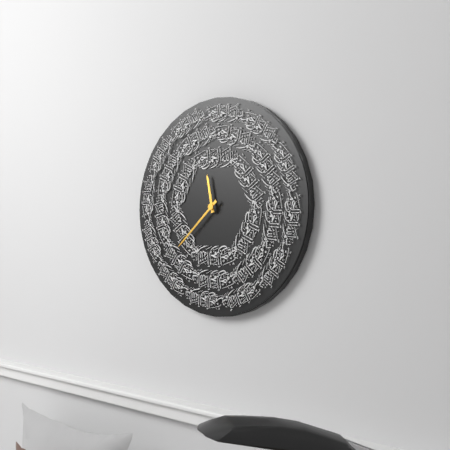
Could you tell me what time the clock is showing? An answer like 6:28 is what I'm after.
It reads 11:38
